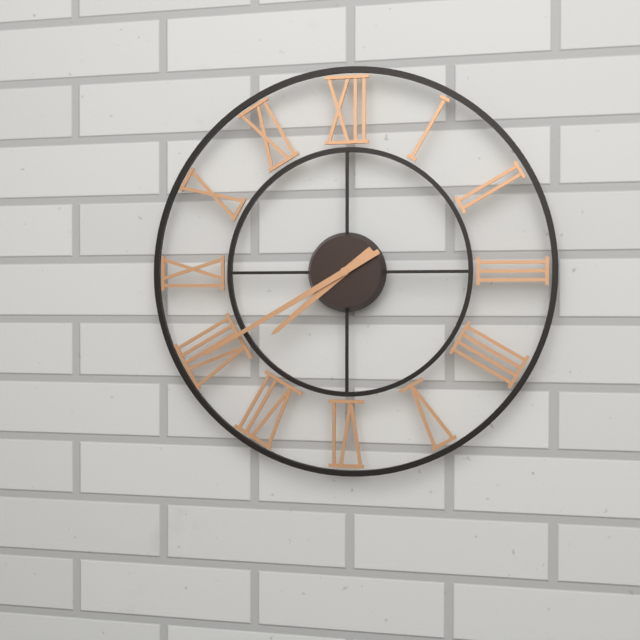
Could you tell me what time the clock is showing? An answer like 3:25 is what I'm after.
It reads 7:40
